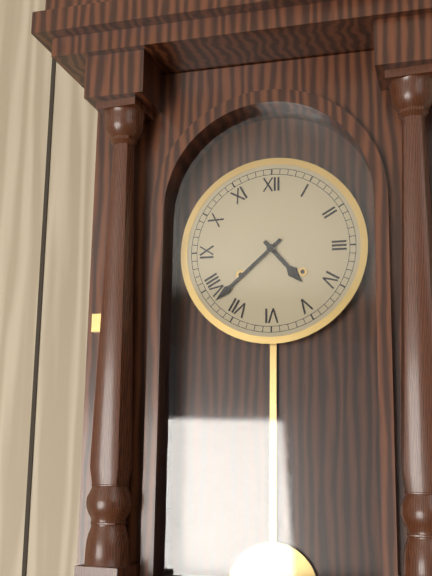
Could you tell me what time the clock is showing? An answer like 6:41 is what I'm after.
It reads 4:38
